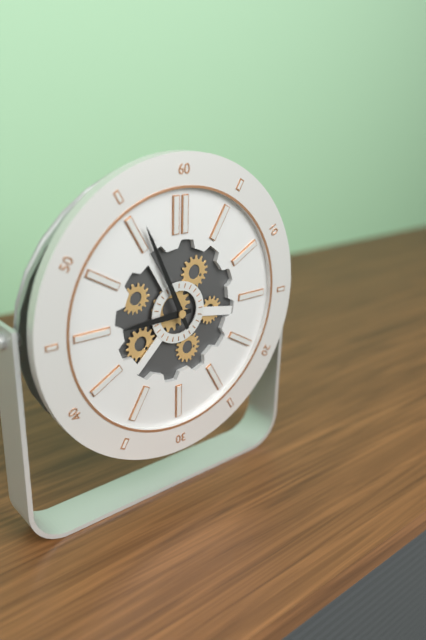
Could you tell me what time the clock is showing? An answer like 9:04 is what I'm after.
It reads 8:56
